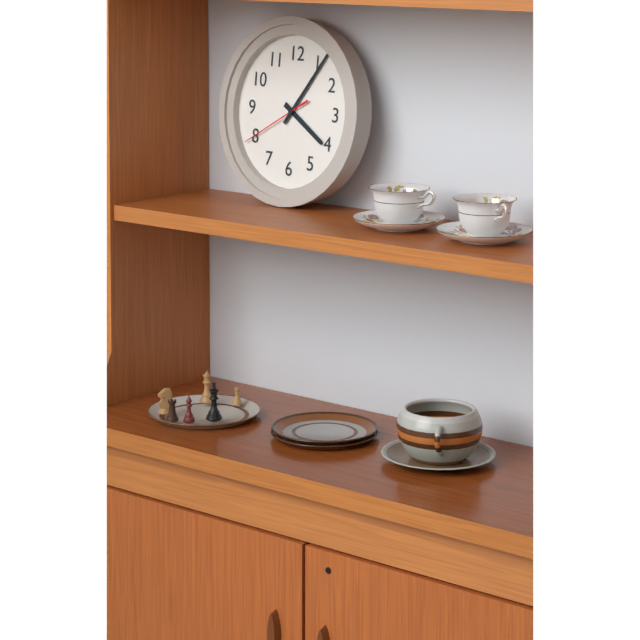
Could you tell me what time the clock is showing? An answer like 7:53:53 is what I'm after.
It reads 4:06:40
